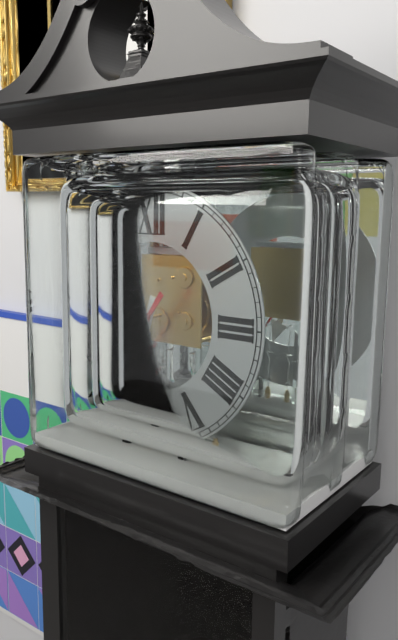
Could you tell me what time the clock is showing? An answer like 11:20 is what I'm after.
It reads 6:36
